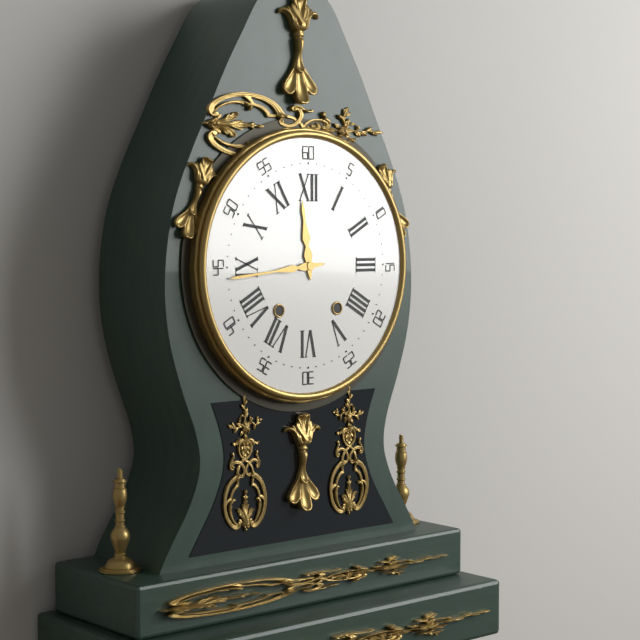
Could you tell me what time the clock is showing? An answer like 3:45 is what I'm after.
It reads 11:44
